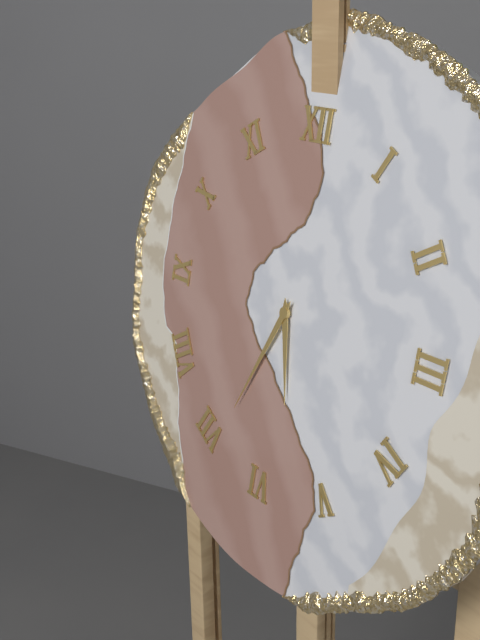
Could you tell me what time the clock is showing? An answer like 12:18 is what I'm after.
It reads 5:34
